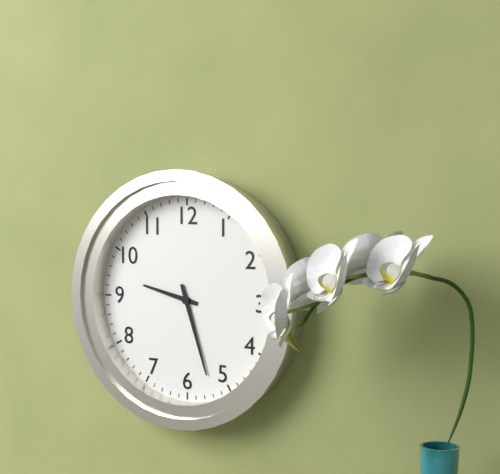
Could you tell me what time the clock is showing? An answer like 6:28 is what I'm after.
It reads 9:27
